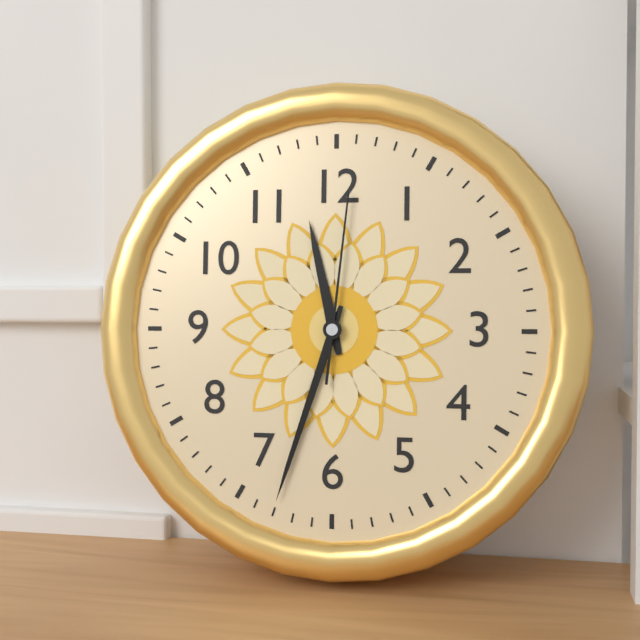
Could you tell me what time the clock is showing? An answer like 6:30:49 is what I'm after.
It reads 11:33:01
